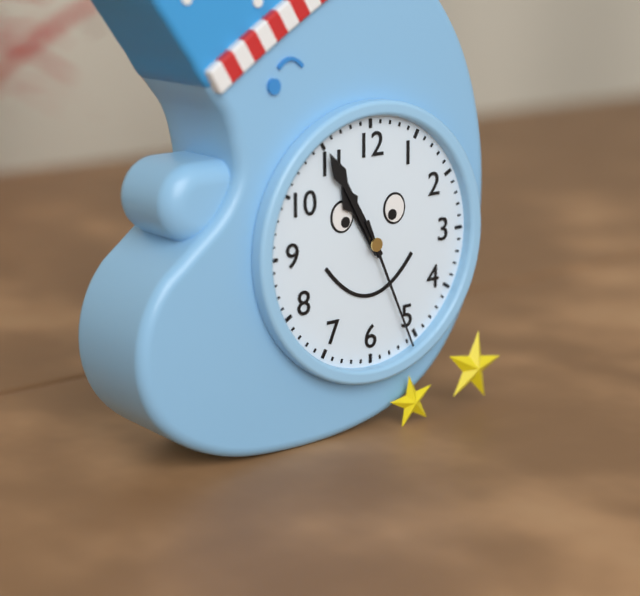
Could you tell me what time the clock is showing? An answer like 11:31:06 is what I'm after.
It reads 10:55:26
